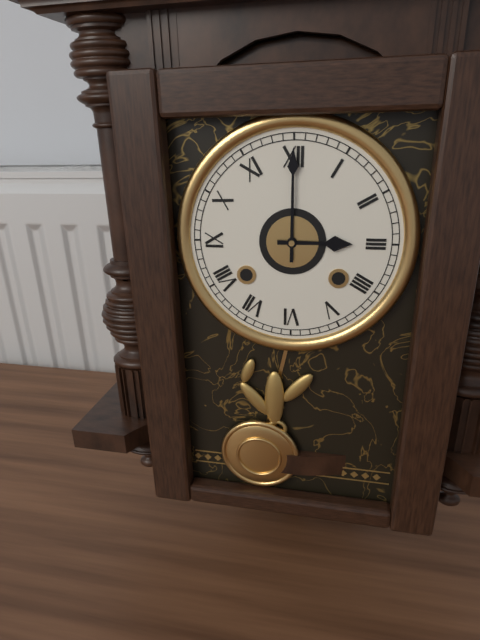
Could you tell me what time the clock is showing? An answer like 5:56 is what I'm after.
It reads 3:00
